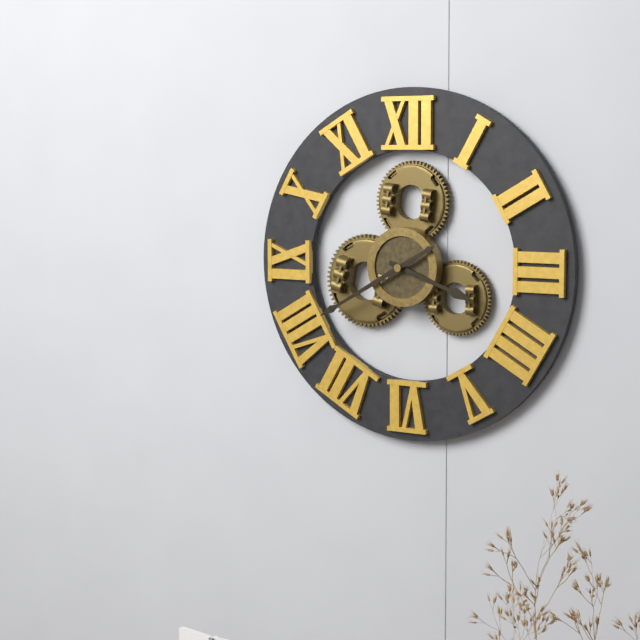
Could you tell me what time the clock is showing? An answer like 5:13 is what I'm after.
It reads 3:40
